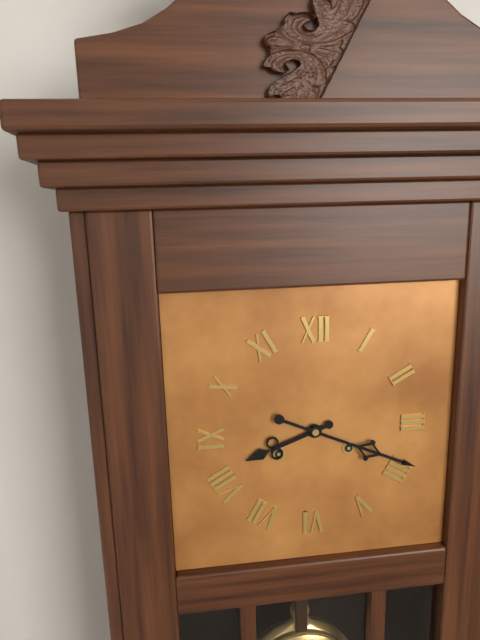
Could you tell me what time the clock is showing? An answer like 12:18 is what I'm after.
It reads 8:19
